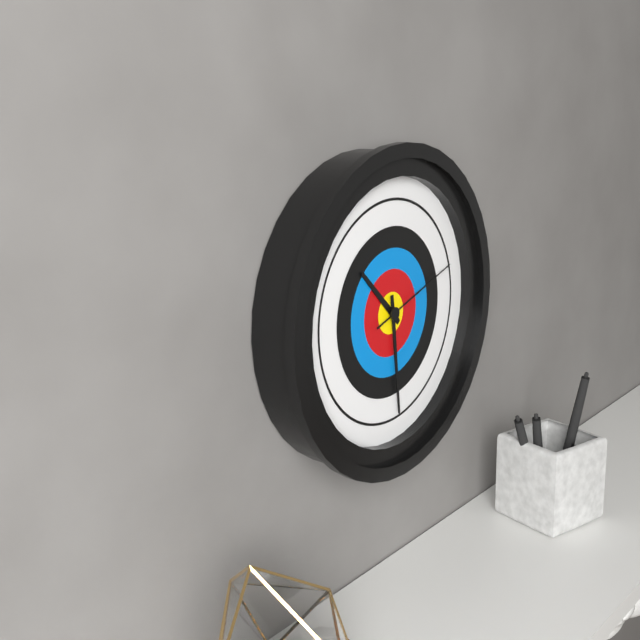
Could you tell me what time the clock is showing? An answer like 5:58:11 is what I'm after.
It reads 10:29:12
